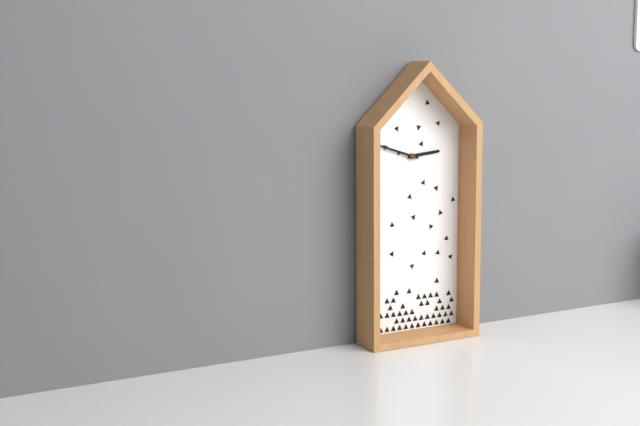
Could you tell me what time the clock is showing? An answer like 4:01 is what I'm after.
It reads 2:48
